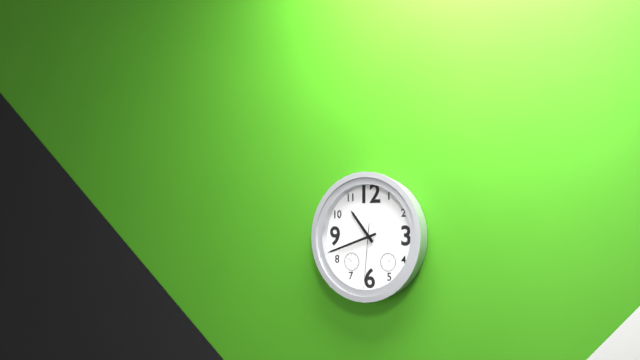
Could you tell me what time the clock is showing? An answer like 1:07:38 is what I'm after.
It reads 10:42:31
